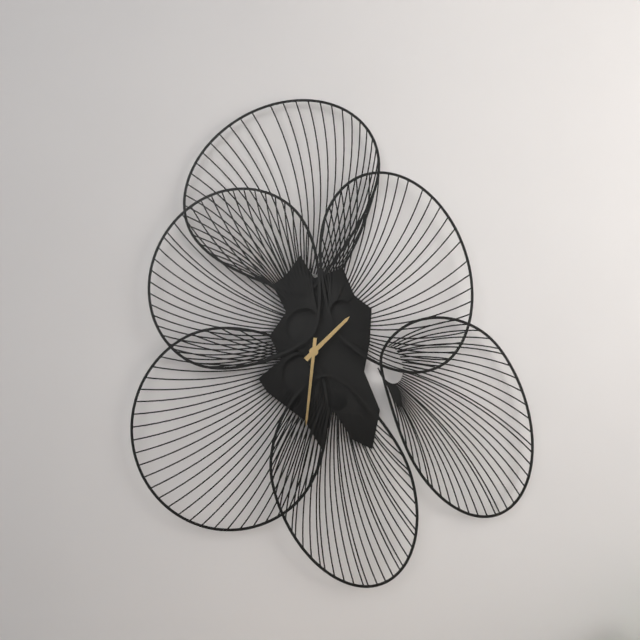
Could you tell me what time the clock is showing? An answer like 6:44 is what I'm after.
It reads 1:31
